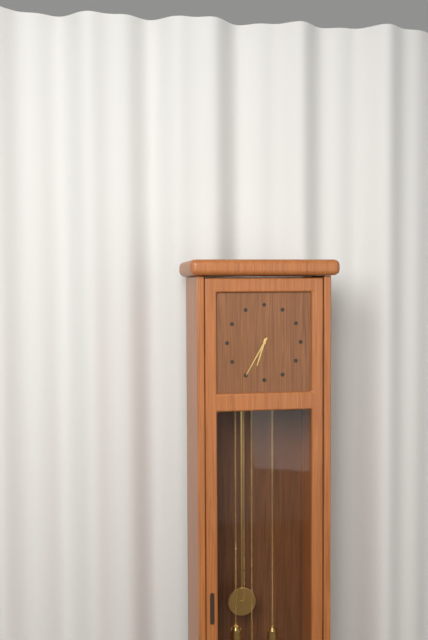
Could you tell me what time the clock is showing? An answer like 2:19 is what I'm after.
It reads 6:35
